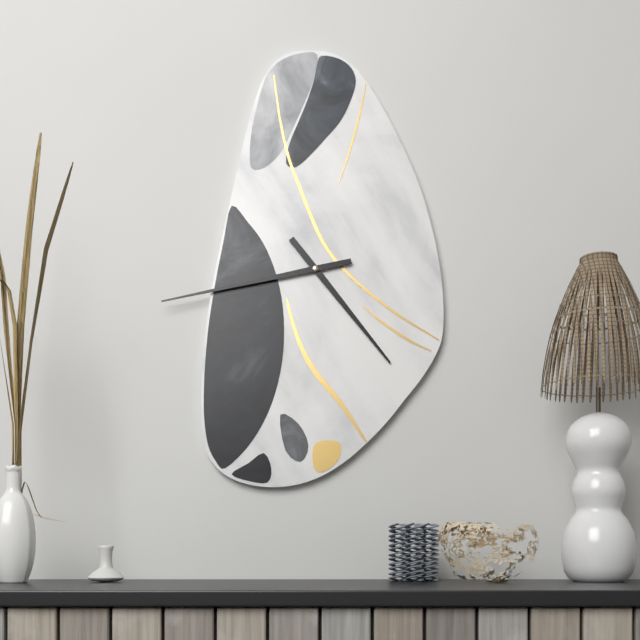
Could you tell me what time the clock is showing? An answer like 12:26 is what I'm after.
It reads 4:43
